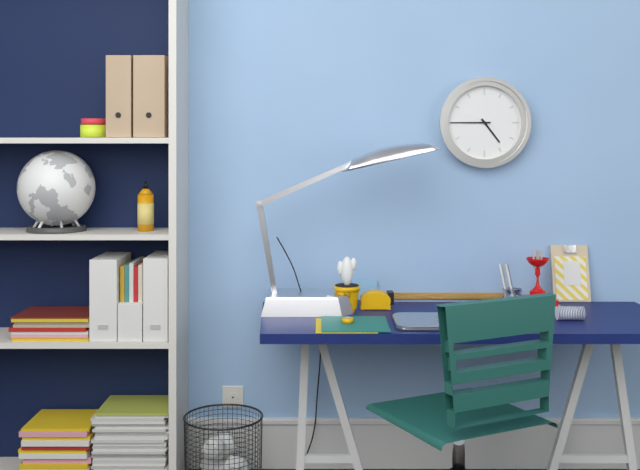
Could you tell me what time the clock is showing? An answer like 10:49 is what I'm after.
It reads 4:45
